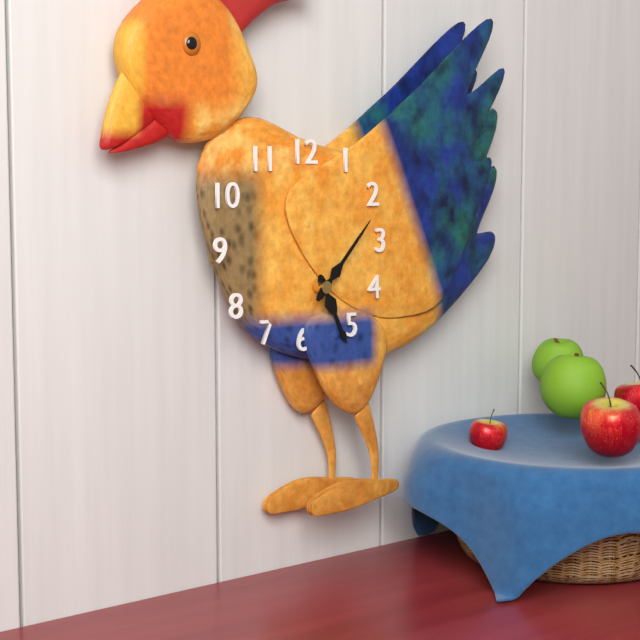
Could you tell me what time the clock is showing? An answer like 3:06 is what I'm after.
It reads 5:07
